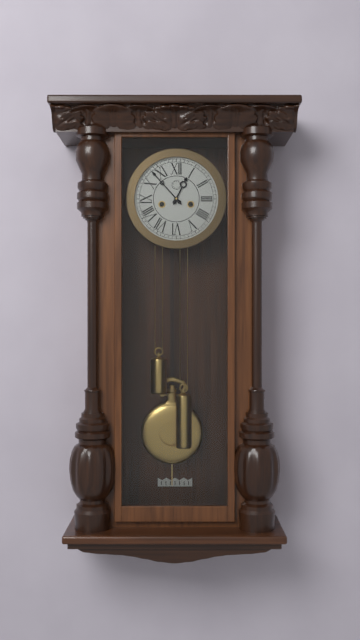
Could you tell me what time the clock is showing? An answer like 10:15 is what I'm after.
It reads 12:53
